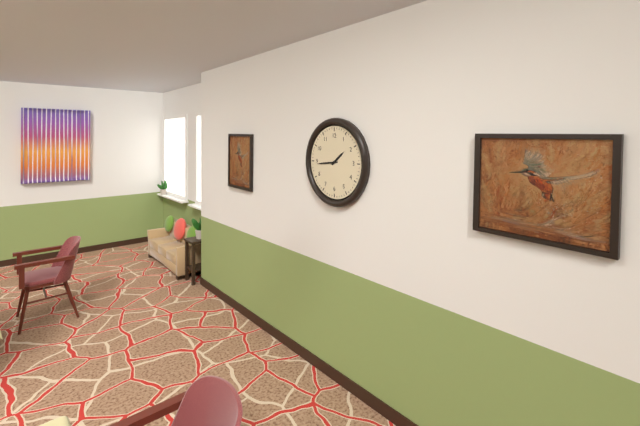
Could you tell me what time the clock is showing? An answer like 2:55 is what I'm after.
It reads 1:44
